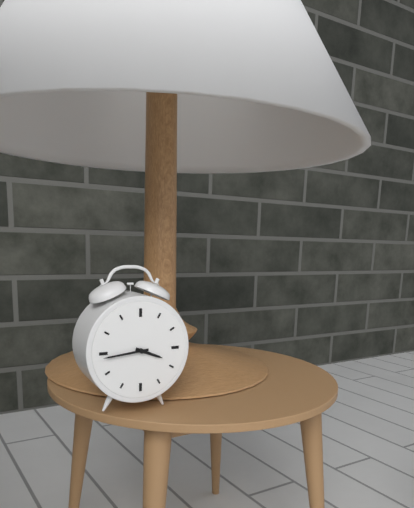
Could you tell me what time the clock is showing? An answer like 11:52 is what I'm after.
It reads 3:44
